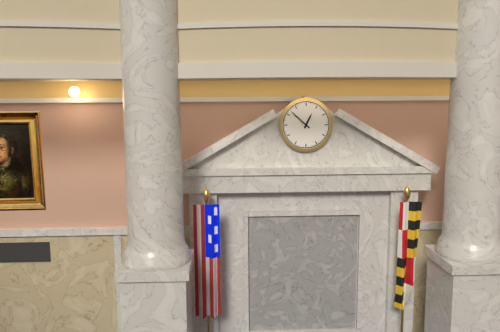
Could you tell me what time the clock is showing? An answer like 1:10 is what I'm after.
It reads 12:52
